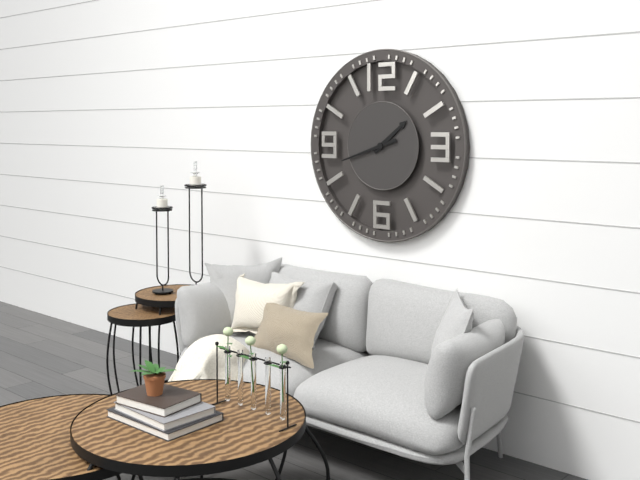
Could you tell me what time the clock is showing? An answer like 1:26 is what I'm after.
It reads 1:42
